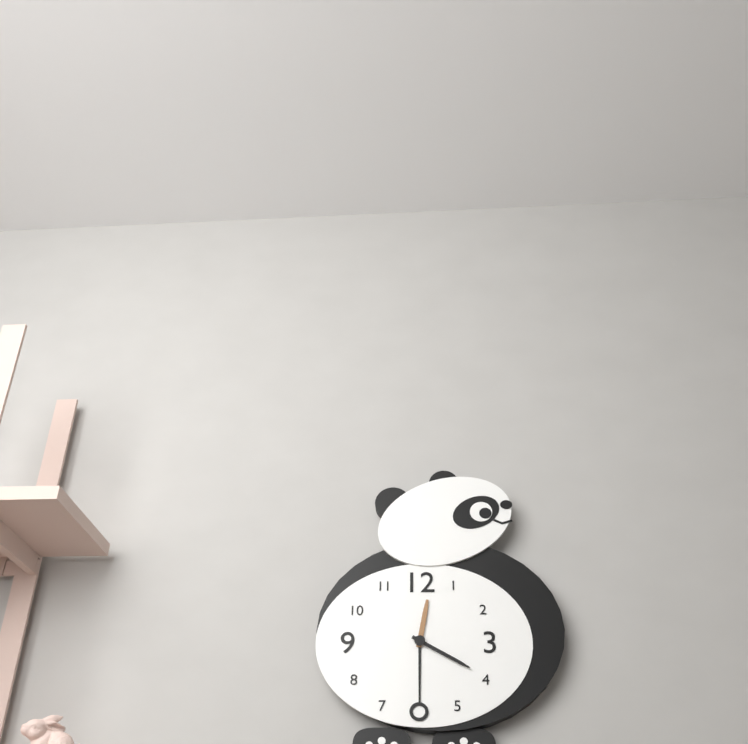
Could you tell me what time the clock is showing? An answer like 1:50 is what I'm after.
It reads 12:20
